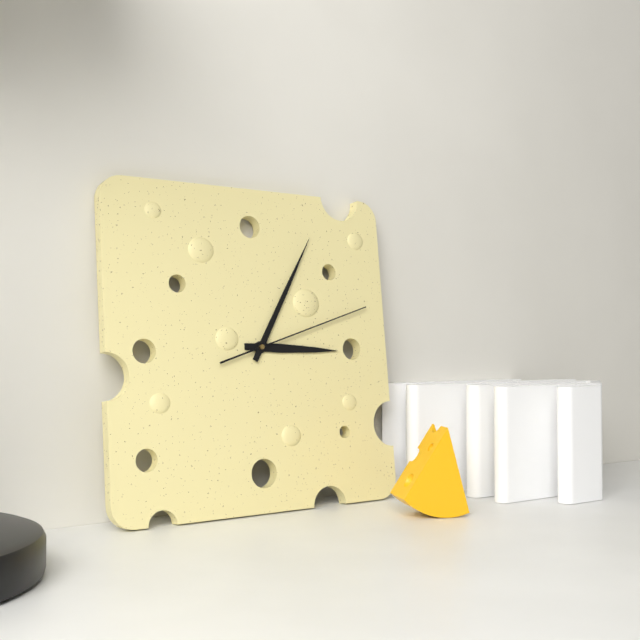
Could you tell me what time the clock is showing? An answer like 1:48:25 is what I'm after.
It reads 3:05:12
